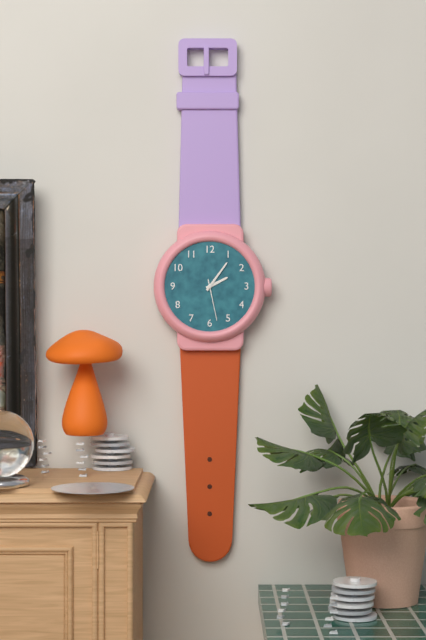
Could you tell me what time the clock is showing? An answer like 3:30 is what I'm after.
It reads 2:06
